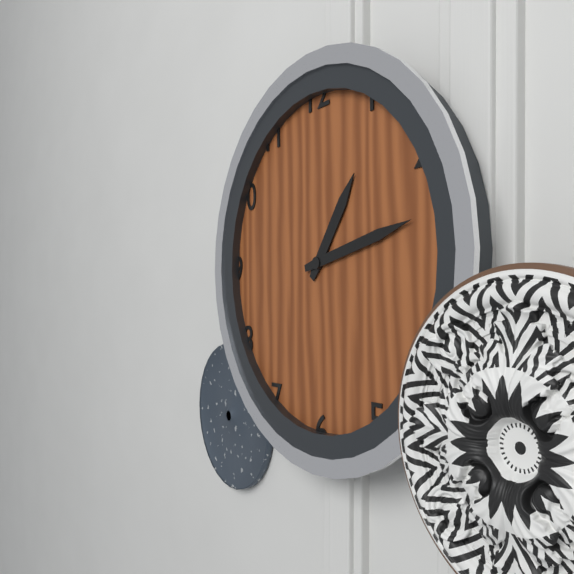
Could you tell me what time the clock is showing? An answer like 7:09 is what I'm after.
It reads 1:13
